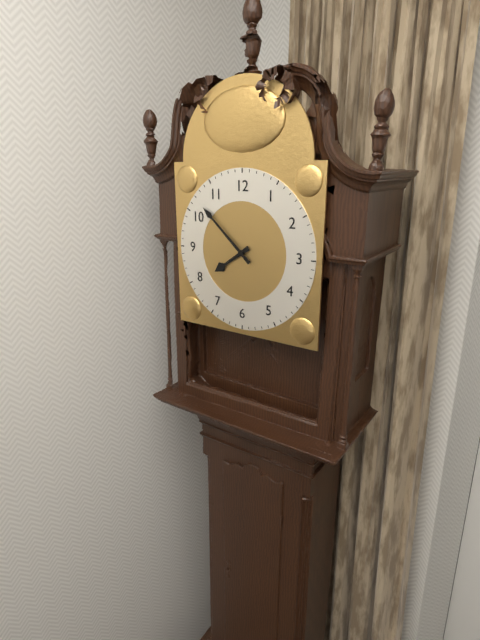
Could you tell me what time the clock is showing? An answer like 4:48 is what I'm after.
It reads 7:52
